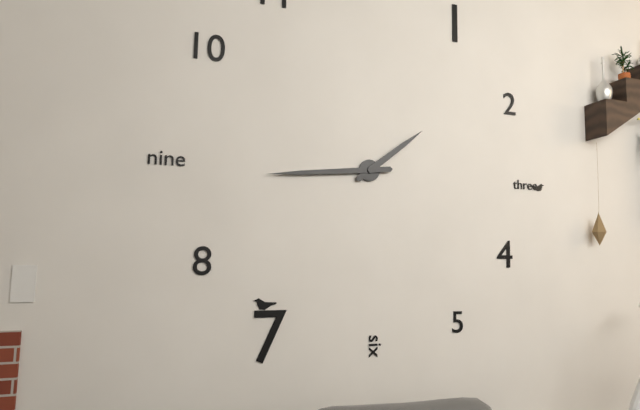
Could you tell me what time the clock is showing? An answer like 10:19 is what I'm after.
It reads 1:44
